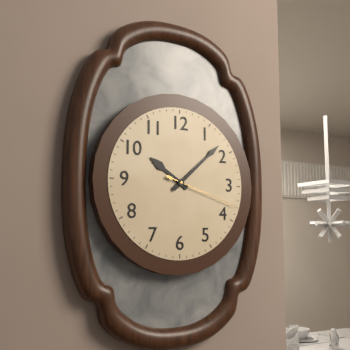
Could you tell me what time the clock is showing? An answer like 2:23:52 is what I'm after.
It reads 10:08:18
